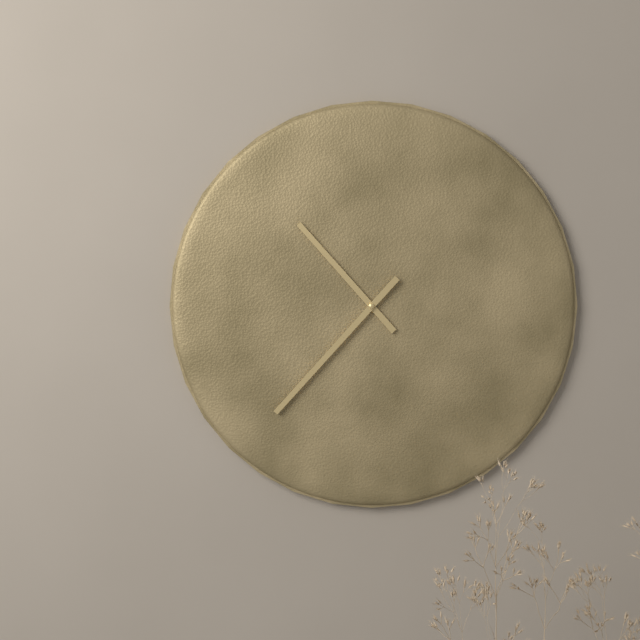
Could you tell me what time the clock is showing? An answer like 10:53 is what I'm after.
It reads 10:37
